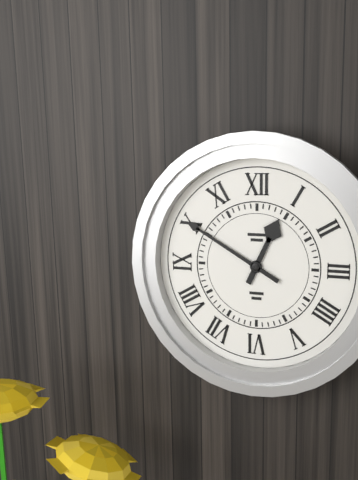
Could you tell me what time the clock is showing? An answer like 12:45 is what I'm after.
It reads 12:50
